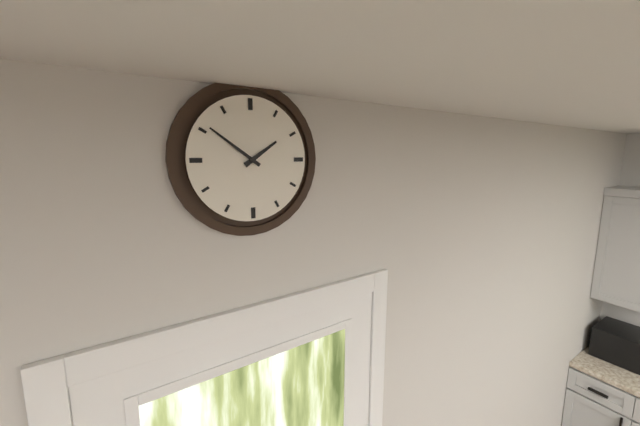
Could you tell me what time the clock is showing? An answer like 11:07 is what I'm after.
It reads 1:51
